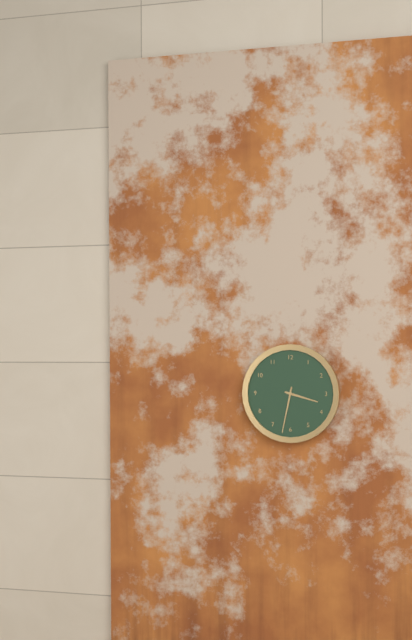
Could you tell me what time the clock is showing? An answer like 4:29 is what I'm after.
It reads 3:32
